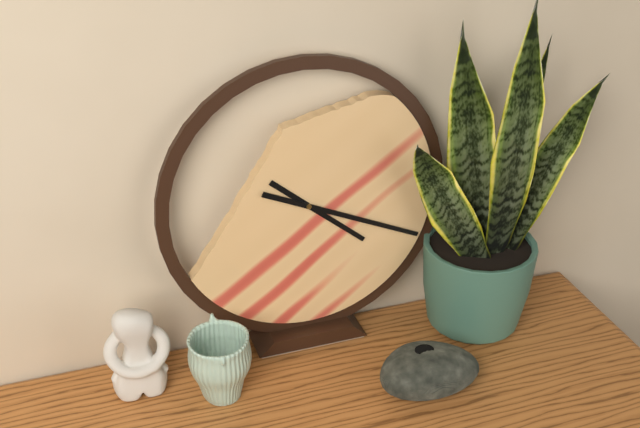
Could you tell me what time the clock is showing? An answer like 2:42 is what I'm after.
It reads 4:19
